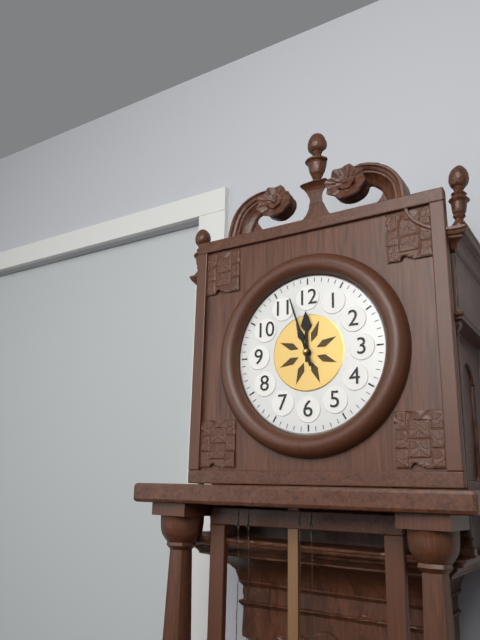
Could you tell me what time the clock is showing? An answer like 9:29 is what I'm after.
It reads 11:57
